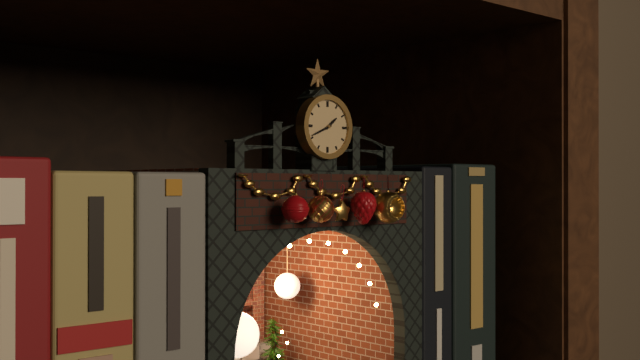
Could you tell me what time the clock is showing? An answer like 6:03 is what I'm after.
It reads 1:41
